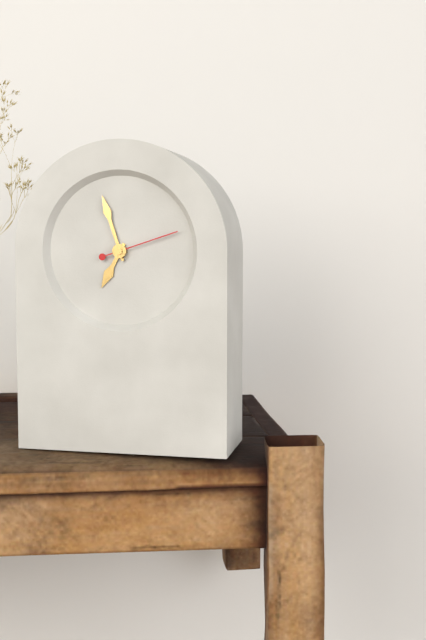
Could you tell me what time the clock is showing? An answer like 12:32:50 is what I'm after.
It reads 6:57:12
